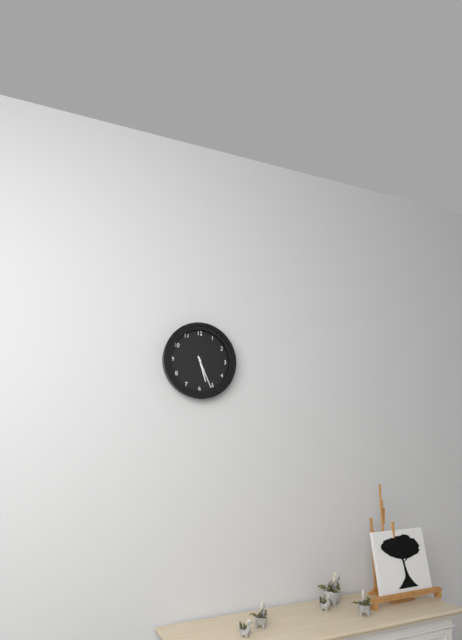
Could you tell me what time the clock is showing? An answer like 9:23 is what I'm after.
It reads 5:26
